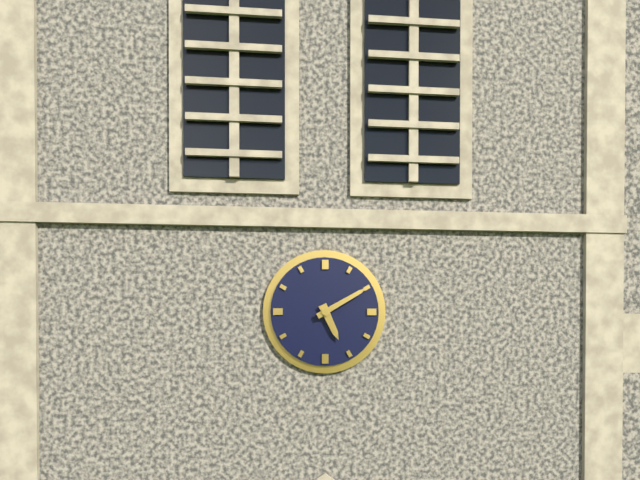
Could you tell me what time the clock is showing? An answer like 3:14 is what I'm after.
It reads 5:10
